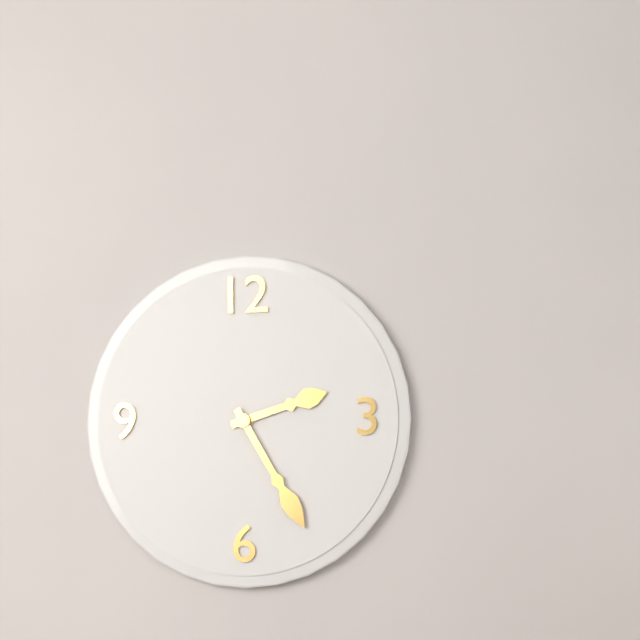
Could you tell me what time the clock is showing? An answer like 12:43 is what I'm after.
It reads 2:25
